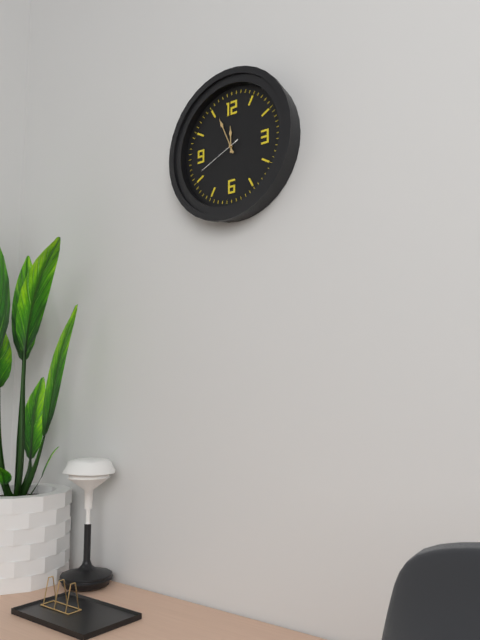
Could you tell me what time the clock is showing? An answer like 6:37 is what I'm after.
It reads 11:56
